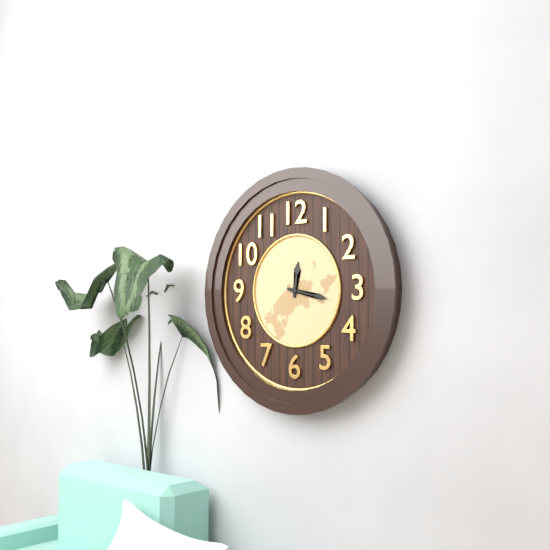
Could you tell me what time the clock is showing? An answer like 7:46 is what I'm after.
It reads 12:17
